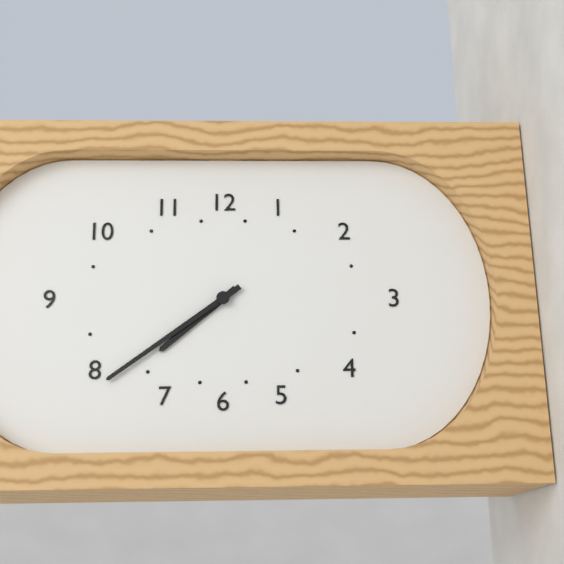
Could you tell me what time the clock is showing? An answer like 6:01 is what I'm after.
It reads 7:39
